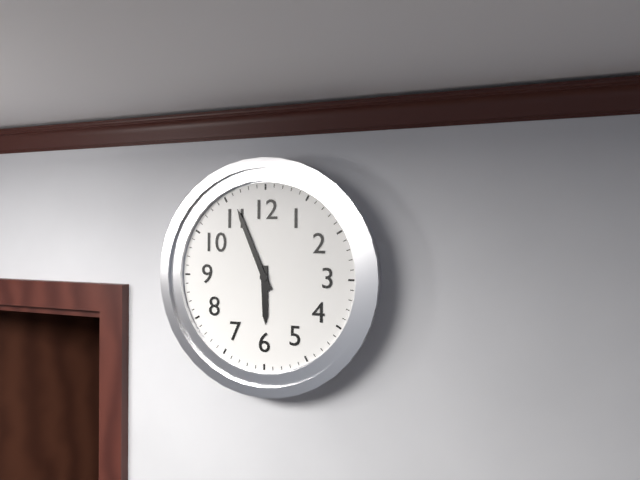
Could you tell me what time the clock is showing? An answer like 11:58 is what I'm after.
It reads 5:56
